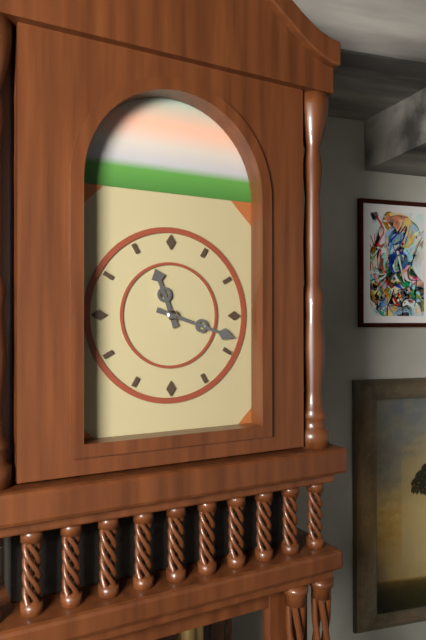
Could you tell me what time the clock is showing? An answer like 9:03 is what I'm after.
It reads 11:18
